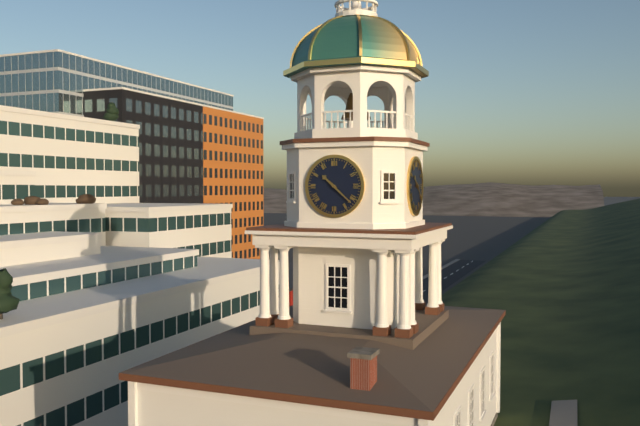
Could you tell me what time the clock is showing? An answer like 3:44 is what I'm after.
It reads 10:22
